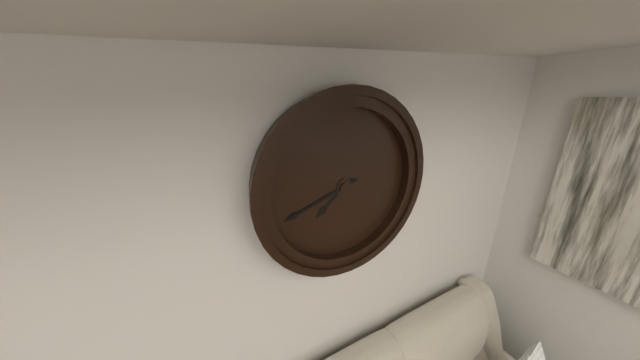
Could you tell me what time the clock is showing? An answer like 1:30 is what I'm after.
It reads 7:42
